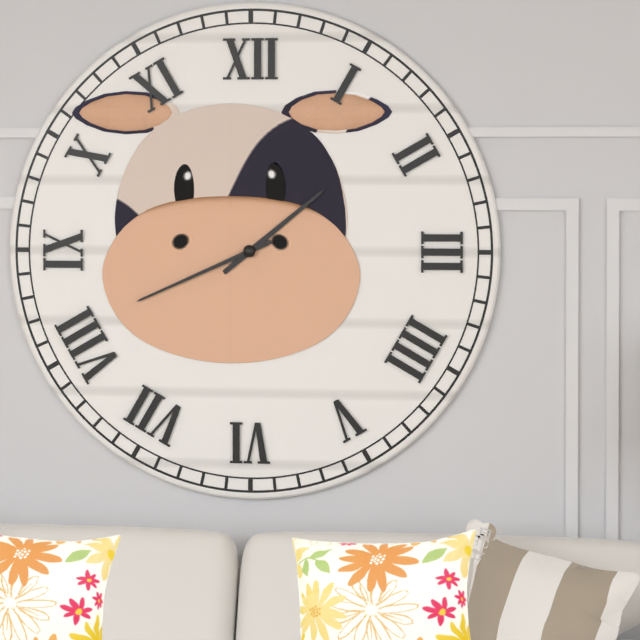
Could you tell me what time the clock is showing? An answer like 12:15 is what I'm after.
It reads 1:41
